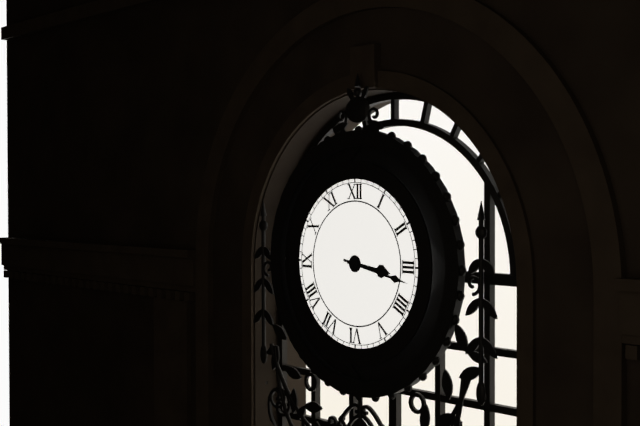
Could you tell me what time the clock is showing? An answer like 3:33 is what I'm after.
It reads 3:17
